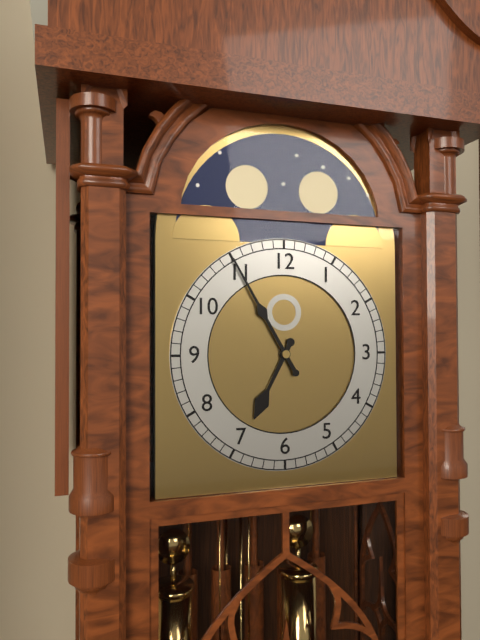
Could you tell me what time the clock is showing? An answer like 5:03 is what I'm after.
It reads 6:55
